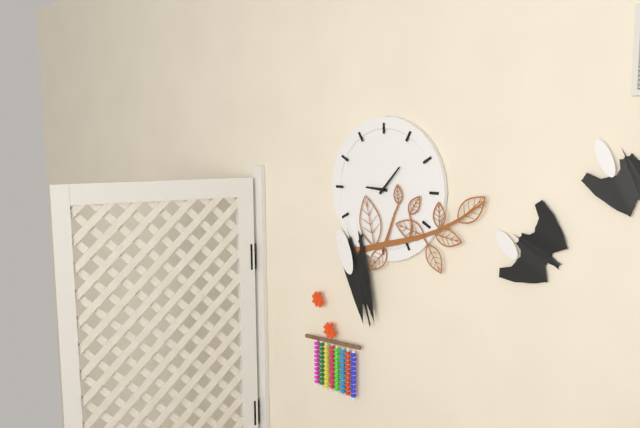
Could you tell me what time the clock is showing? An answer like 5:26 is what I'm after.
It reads 9:07
